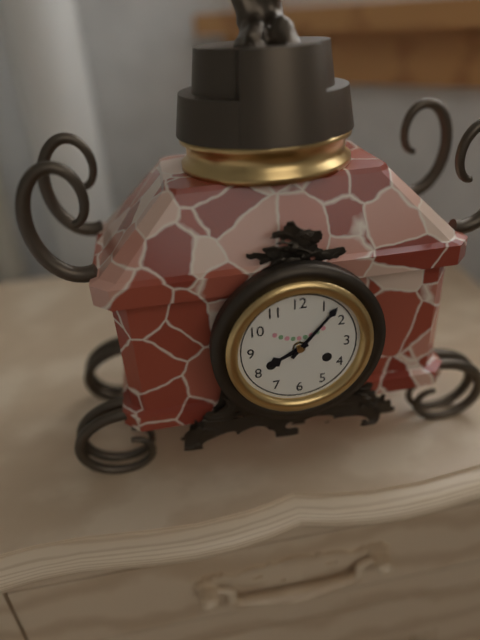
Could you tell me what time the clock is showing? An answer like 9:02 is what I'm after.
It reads 8:07
